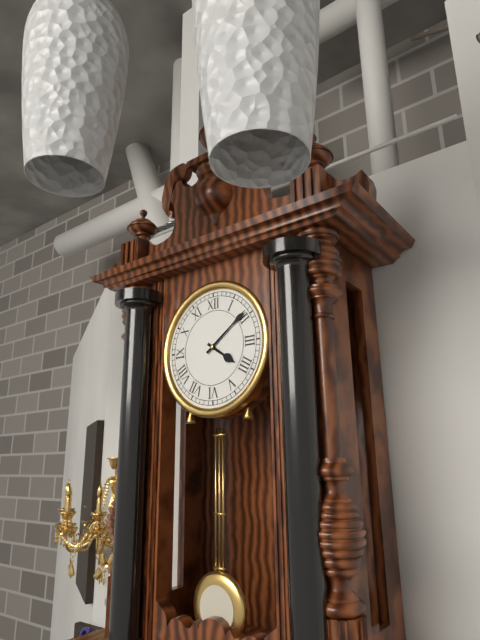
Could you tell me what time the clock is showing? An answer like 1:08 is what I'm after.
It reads 4:09
